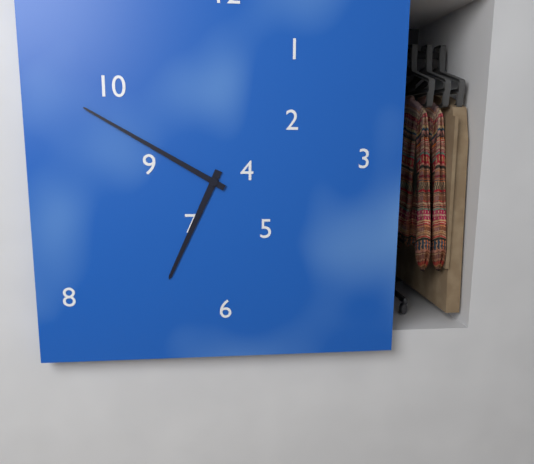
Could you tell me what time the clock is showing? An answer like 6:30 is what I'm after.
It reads 6:50
